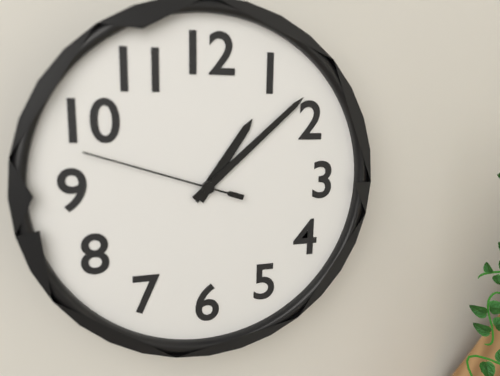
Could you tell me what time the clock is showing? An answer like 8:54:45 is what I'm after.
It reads 1:08:48
